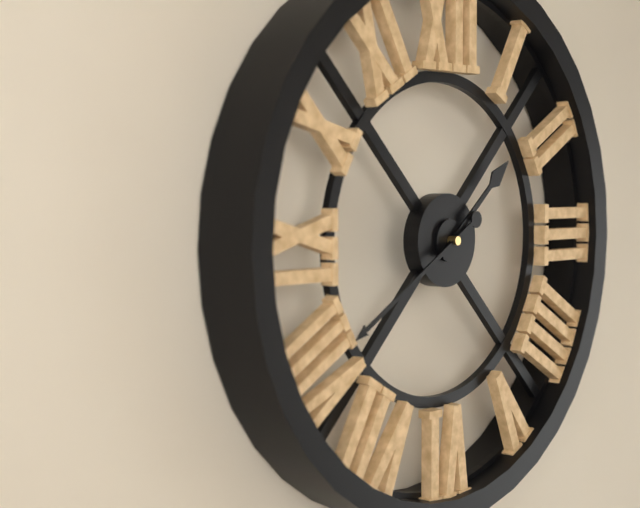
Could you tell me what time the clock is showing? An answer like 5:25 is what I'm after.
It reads 1:40
